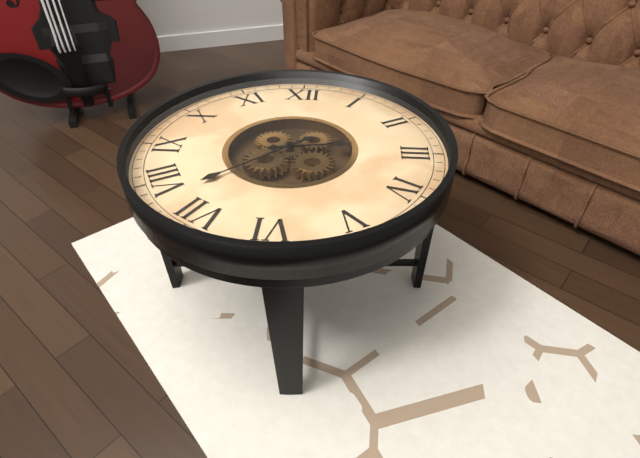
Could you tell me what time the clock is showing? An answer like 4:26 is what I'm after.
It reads 2:38
